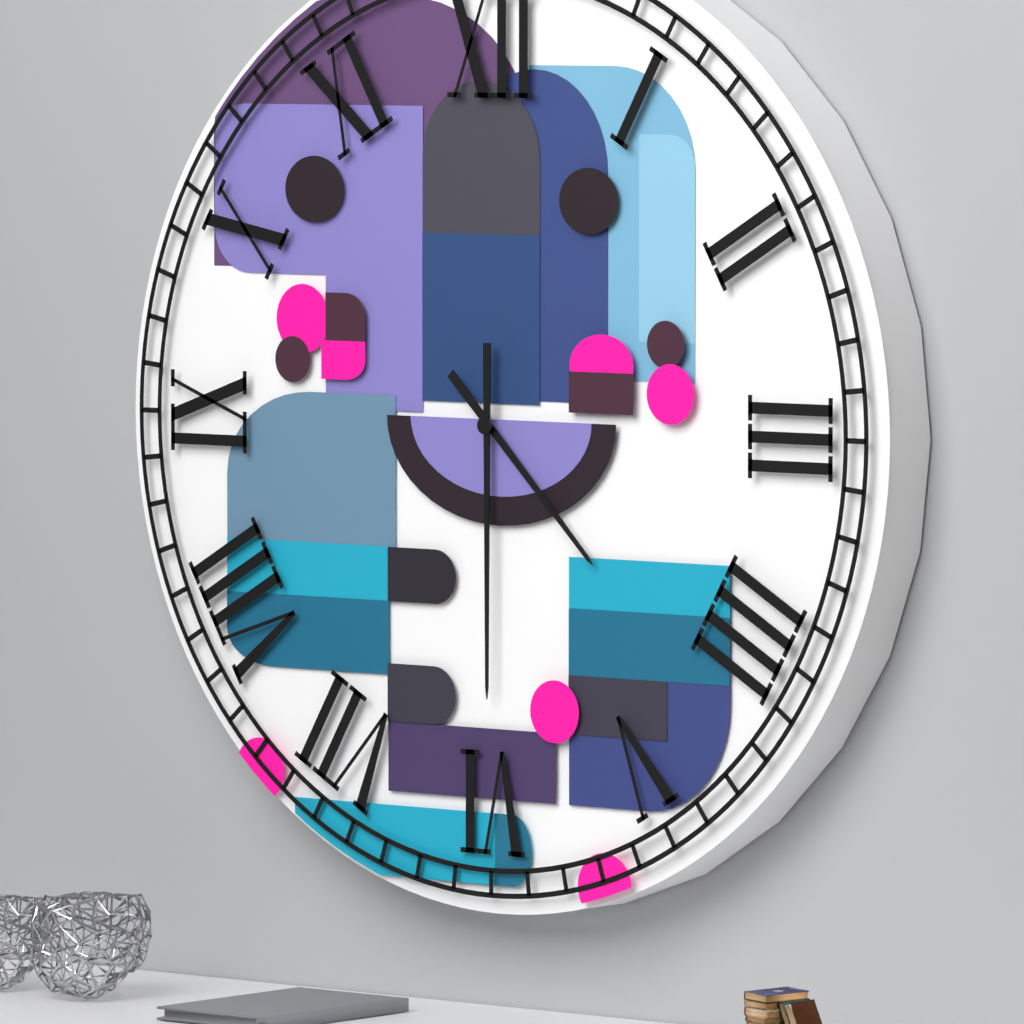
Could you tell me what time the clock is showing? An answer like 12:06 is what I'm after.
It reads 4:30
